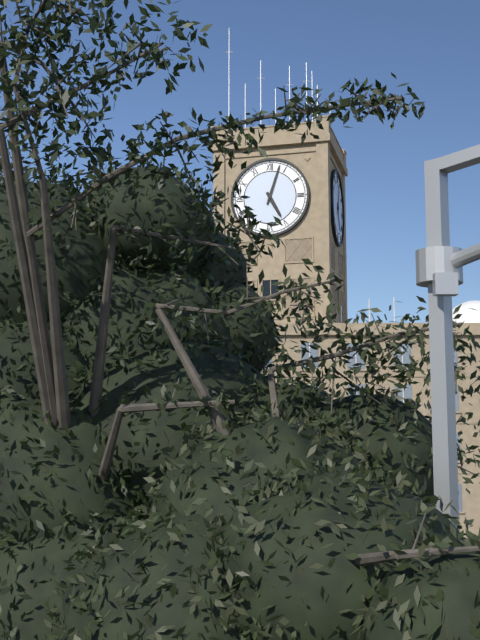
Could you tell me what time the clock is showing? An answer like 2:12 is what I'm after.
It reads 5:03
